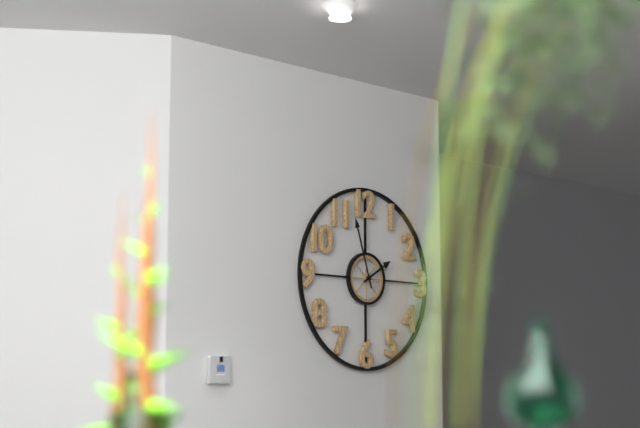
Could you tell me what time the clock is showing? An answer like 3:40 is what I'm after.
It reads 1:57
